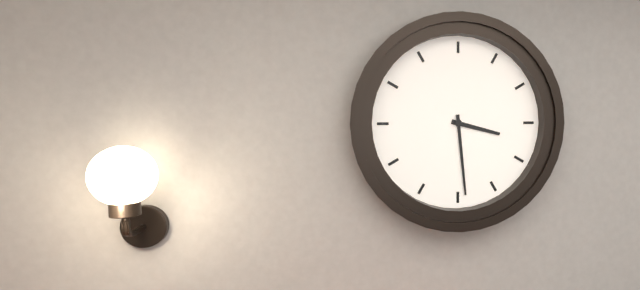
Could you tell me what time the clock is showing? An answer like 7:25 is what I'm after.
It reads 3:29
